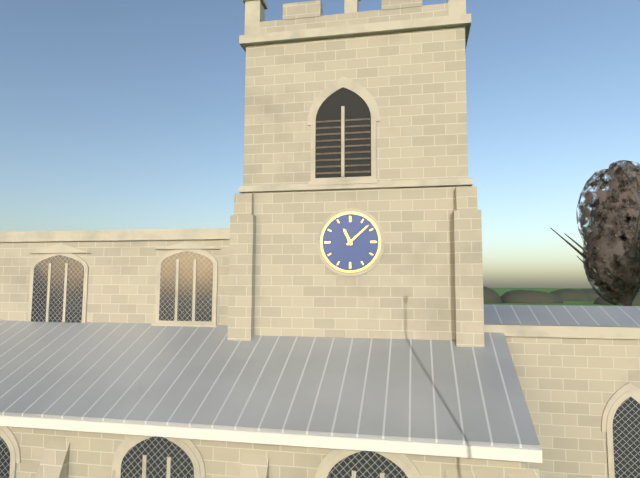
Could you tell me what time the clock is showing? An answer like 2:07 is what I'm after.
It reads 11:08
